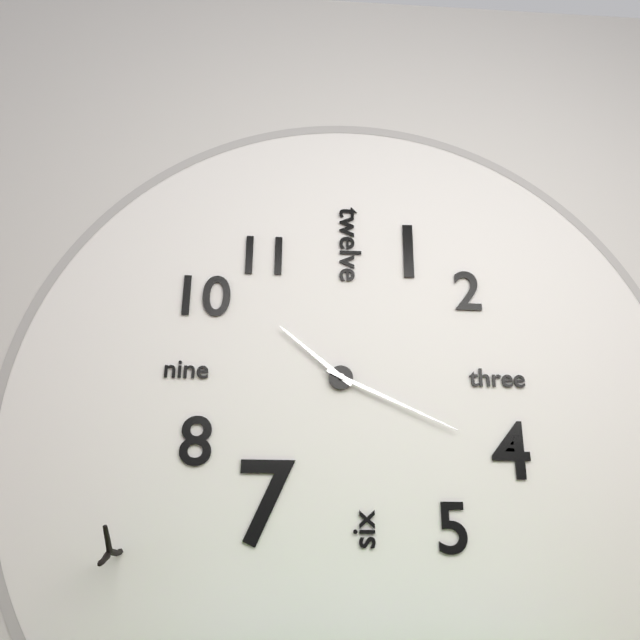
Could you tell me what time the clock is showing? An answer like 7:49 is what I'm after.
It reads 10:19
